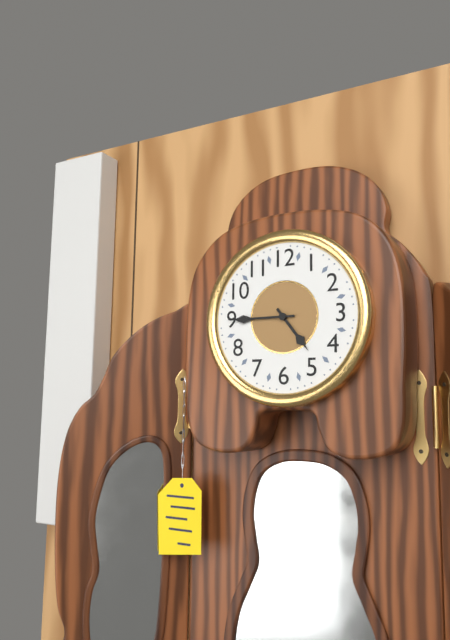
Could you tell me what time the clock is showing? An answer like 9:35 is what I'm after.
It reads 4:45
